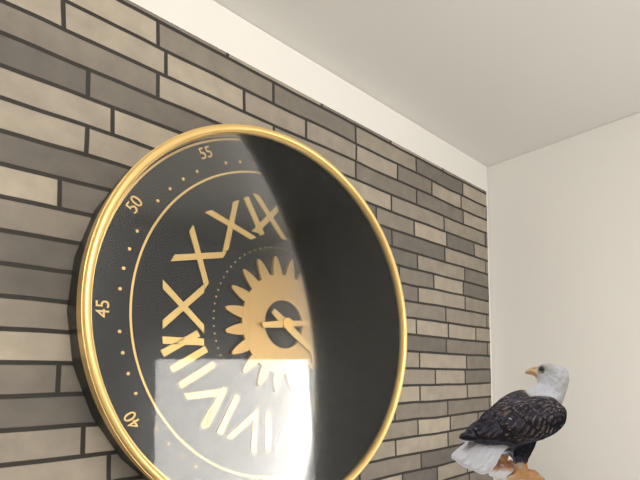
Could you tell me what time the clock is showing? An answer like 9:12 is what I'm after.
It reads 4:14
